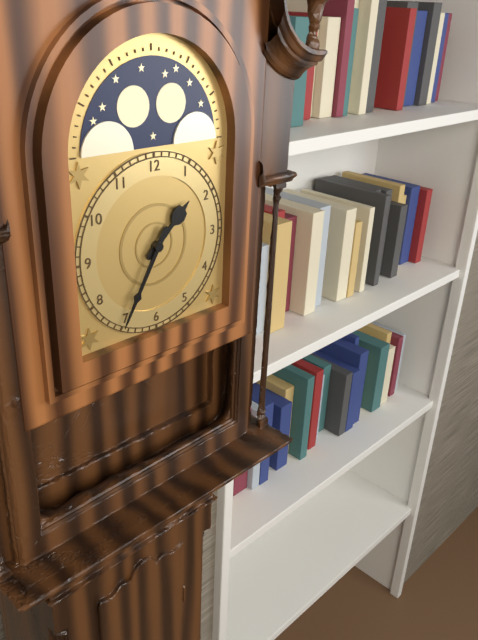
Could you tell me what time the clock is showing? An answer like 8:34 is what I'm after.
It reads 1:35
